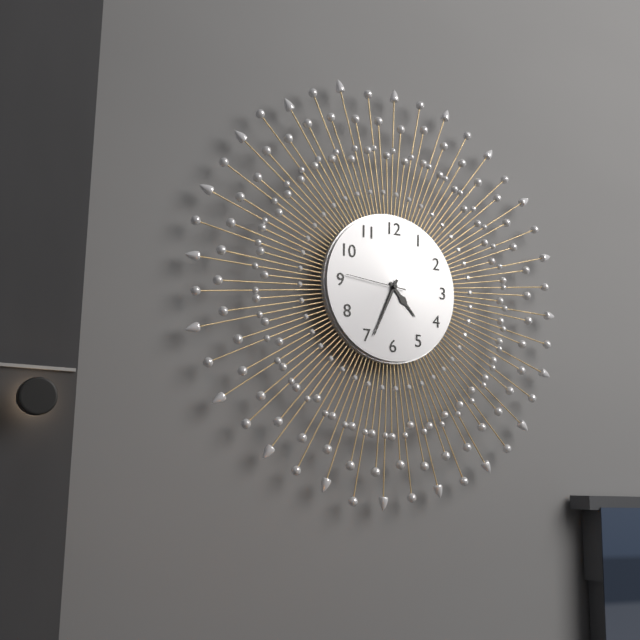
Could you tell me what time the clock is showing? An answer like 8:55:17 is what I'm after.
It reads 4:34:46
